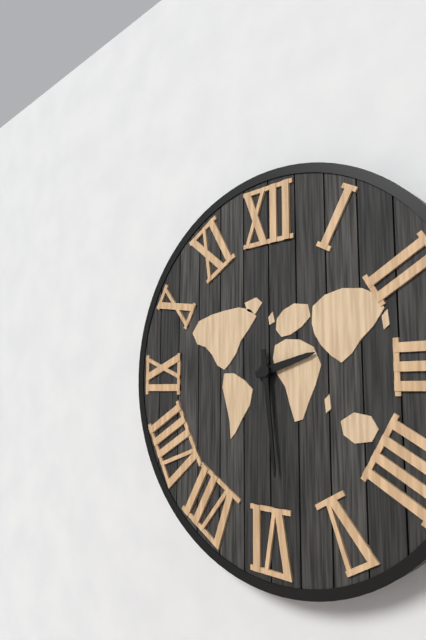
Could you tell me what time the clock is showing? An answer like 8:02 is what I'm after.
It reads 2:29
